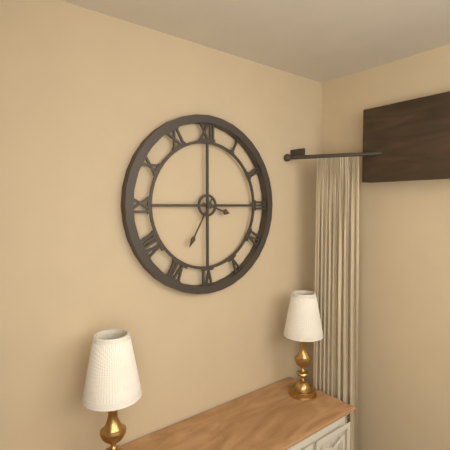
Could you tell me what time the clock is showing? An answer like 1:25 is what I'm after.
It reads 3:35
